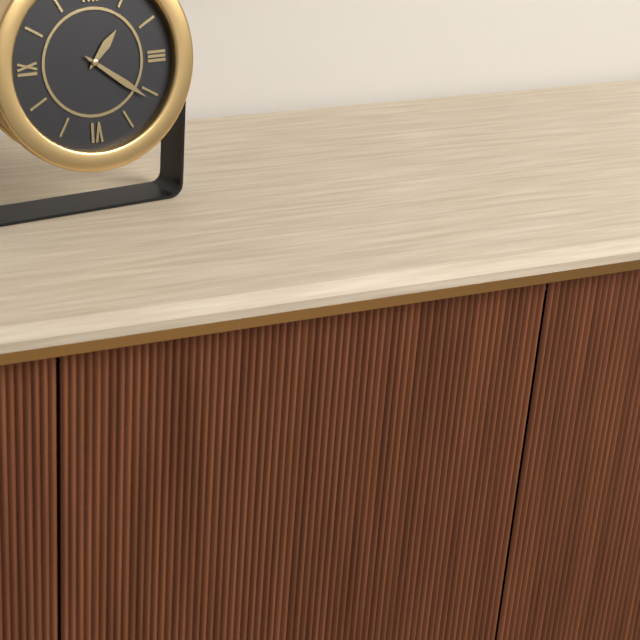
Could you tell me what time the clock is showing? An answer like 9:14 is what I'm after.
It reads 1:21
